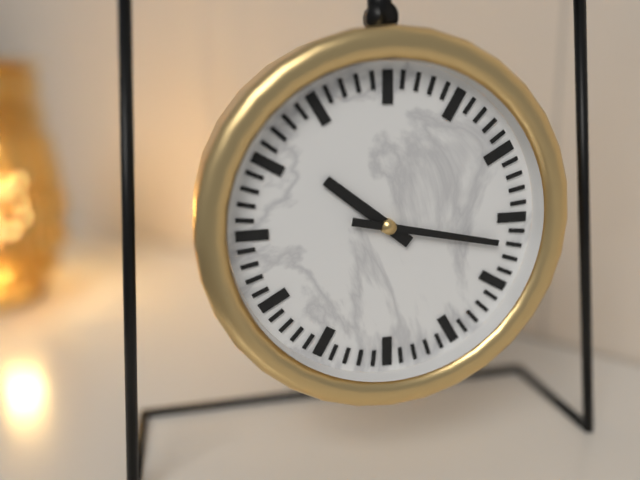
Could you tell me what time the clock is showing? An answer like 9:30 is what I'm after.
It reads 10:17
